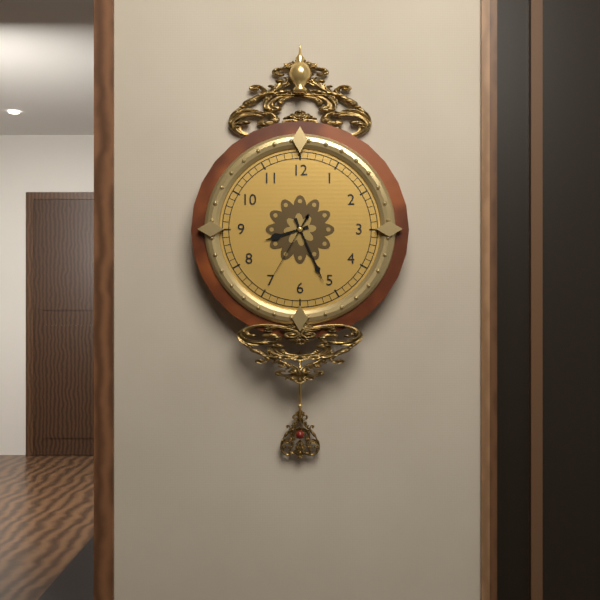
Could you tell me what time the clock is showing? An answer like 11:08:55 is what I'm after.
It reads 8:26:35
